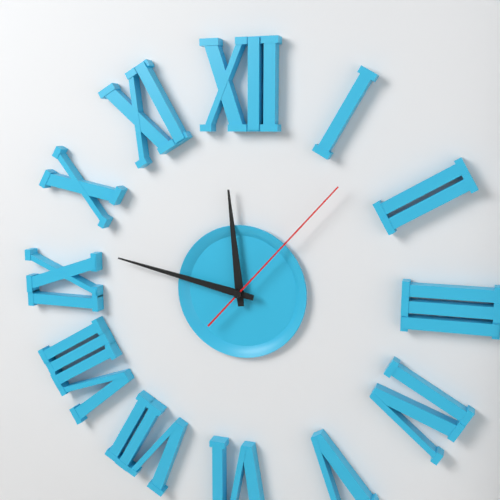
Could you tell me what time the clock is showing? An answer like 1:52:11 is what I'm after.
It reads 11:47:07
